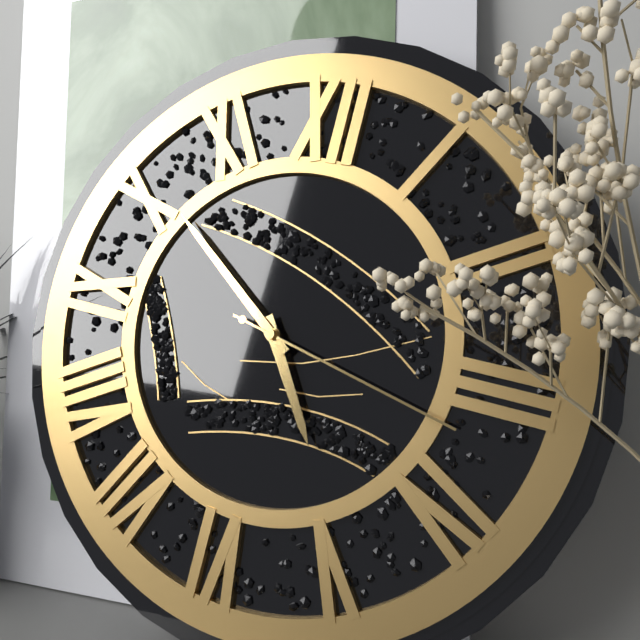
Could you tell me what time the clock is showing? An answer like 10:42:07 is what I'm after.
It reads 4:51:17
